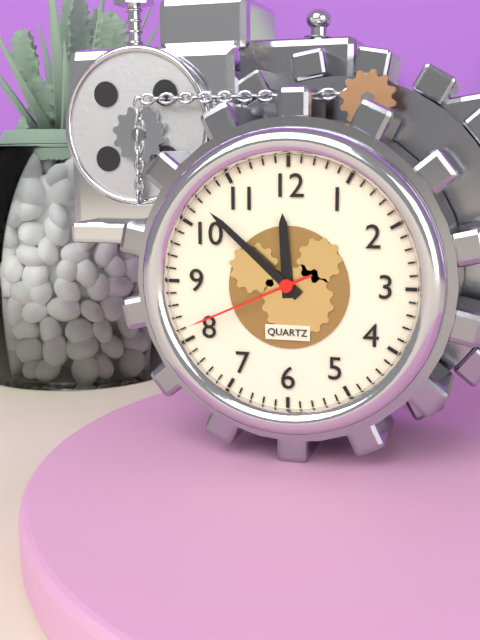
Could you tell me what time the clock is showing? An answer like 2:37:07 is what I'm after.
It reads 11:52:41
